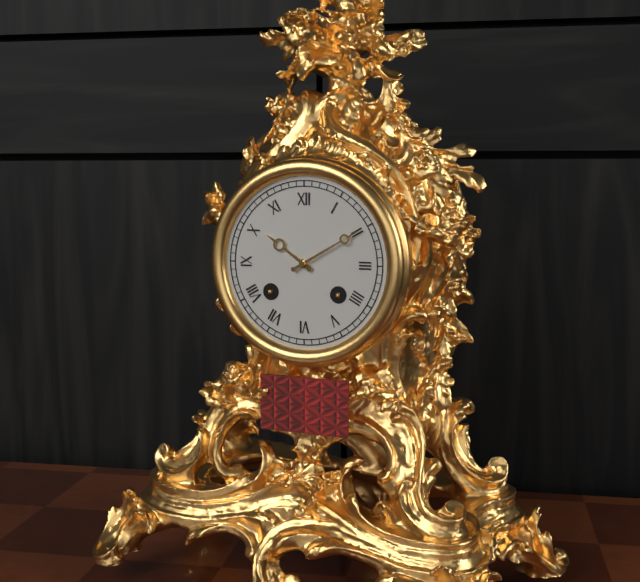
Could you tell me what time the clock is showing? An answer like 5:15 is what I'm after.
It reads 10:10
